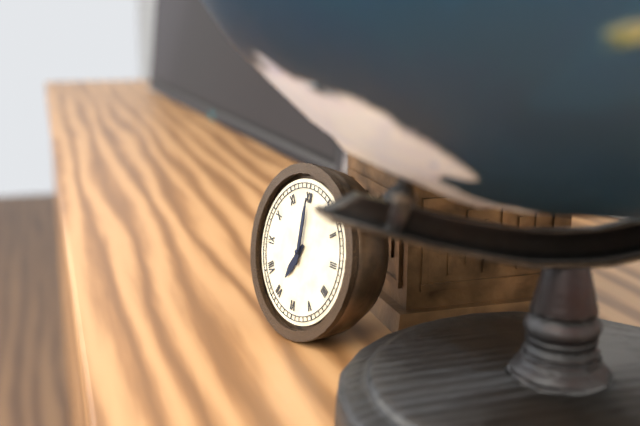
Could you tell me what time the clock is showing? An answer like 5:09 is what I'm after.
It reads 7:00
